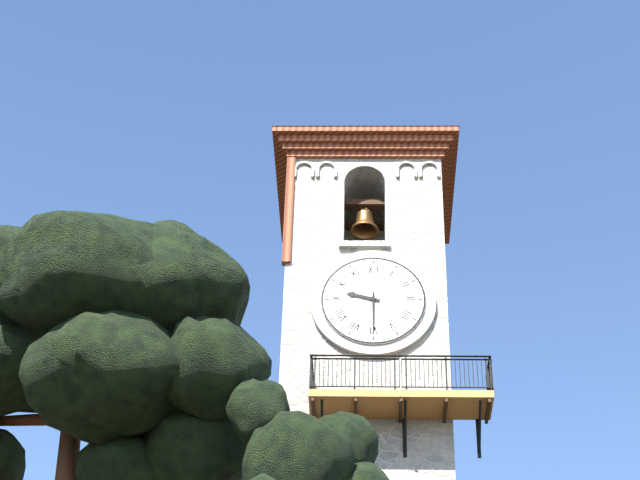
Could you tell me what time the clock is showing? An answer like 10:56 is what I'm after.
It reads 9:30
